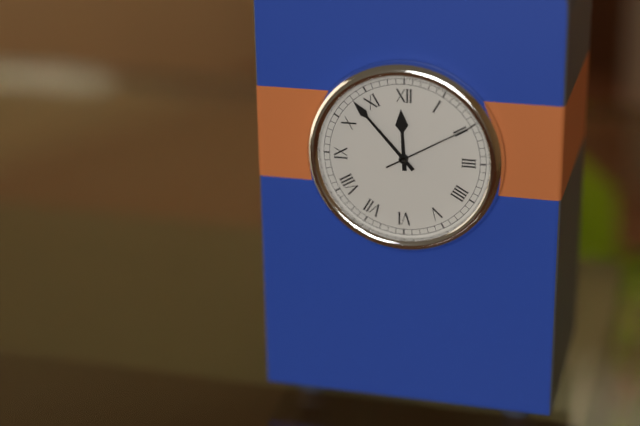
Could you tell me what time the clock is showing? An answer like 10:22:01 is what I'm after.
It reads 11:53:10
